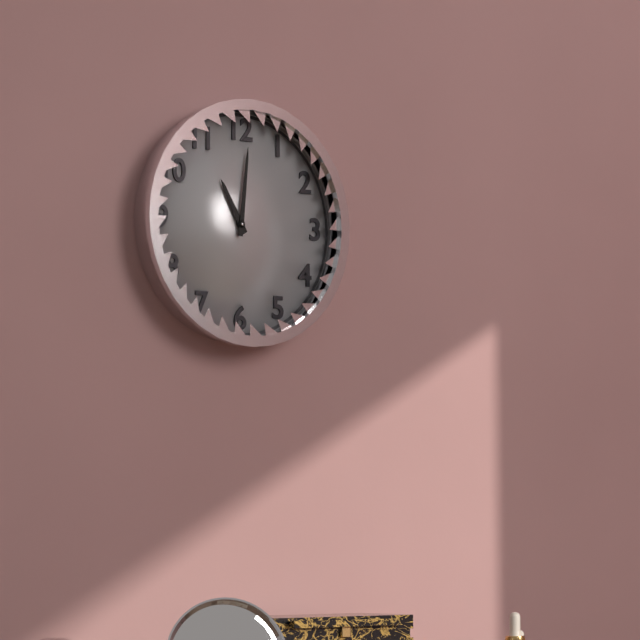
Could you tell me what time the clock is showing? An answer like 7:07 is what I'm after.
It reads 11:01
